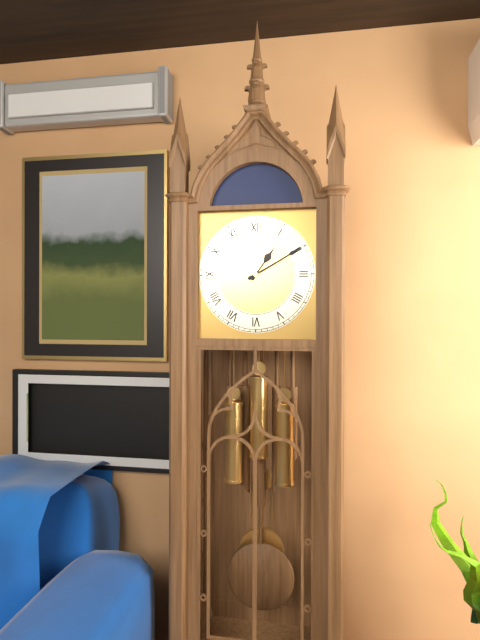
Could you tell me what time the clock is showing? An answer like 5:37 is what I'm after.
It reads 1:10
